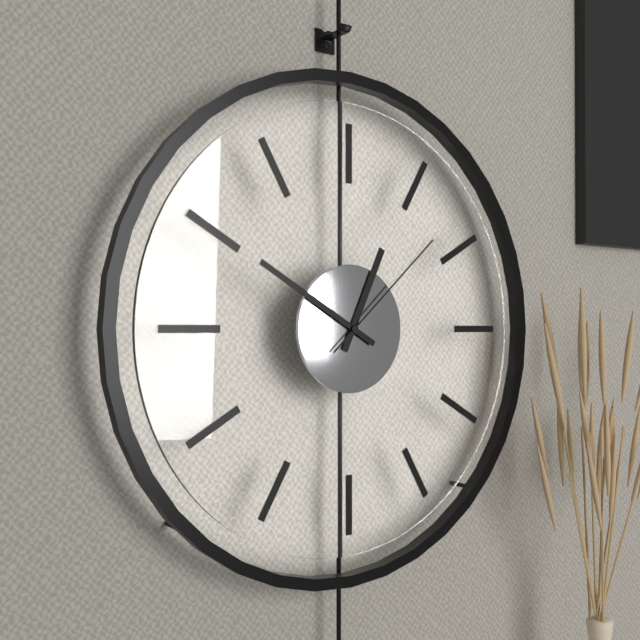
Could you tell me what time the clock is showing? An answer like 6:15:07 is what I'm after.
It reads 12:50:08
